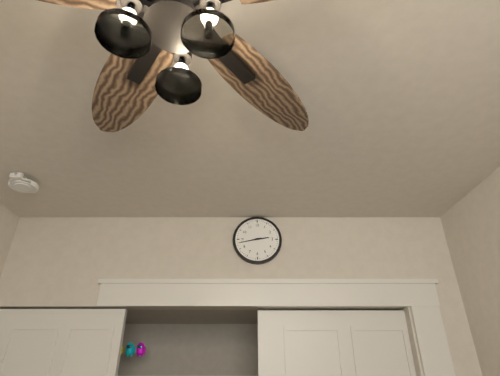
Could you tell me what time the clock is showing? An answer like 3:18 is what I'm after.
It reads 2:43
